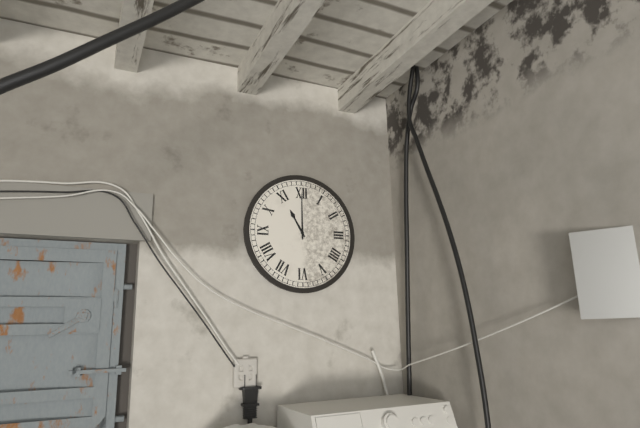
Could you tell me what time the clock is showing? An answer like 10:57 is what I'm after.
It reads 11:00
